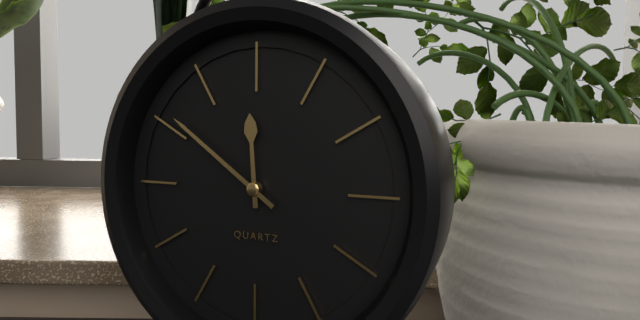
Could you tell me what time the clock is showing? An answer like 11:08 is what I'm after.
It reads 11:51
